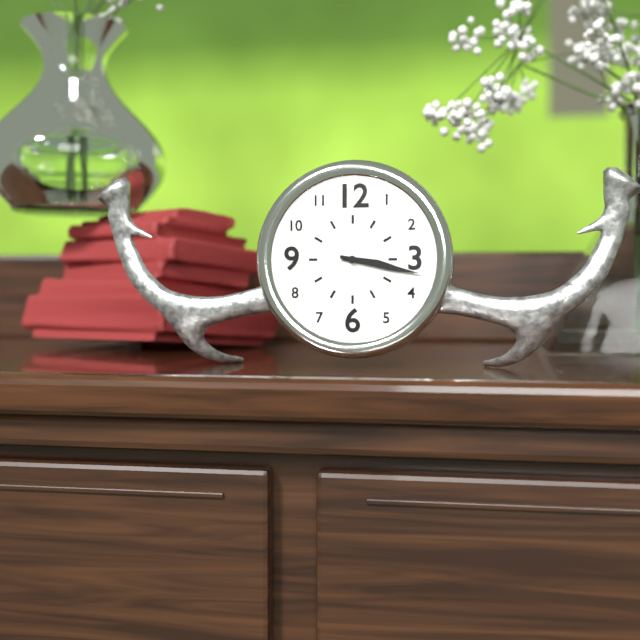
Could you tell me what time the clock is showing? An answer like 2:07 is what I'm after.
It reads 3:17
